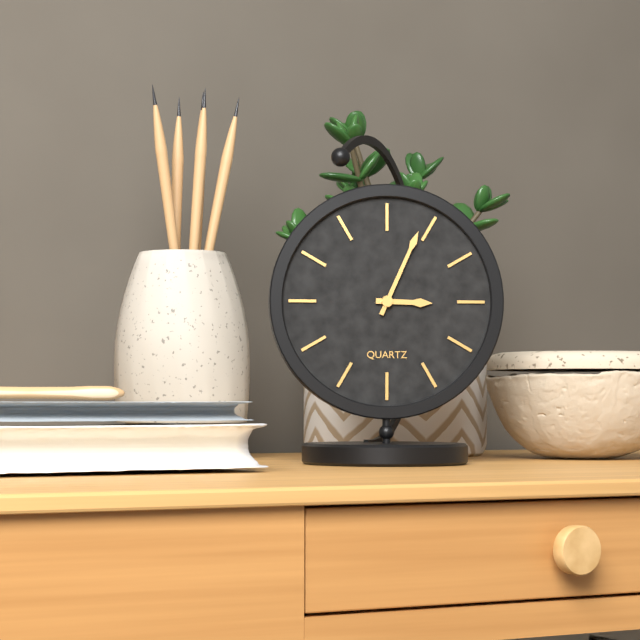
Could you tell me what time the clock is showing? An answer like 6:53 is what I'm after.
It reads 3:04
